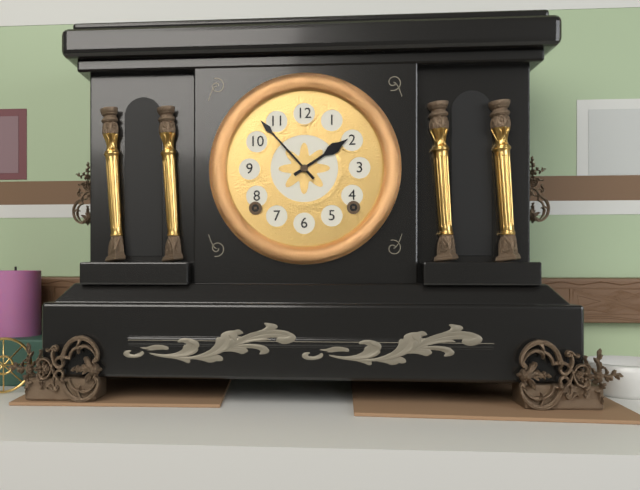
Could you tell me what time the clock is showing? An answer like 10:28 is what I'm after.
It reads 1:53
